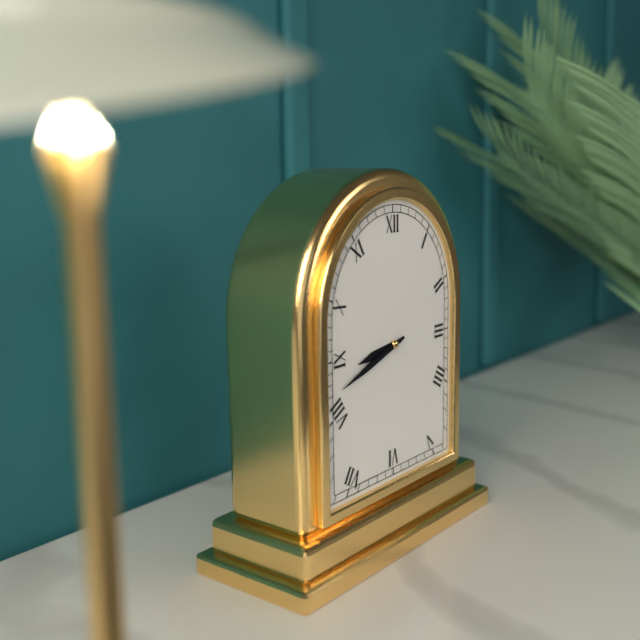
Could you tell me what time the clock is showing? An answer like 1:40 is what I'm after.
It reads 8:42
